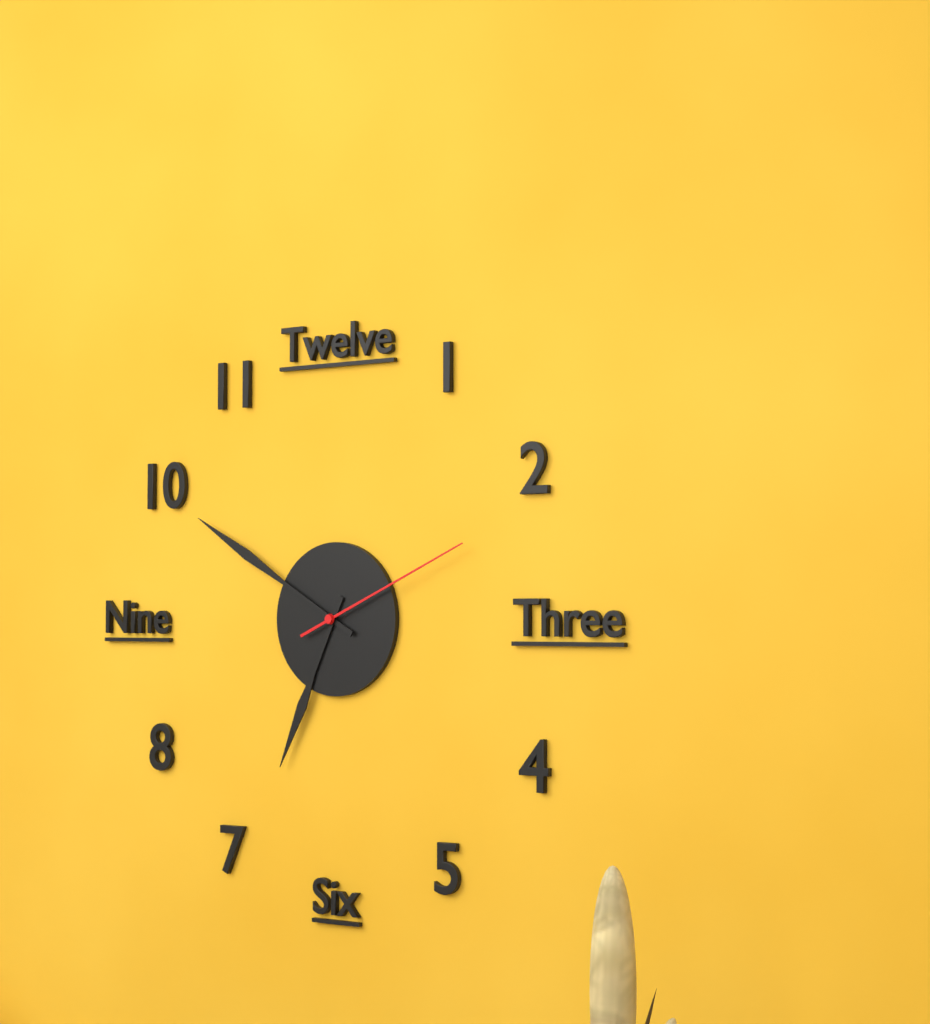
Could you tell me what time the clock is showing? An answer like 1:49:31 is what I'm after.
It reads 6:50:11
